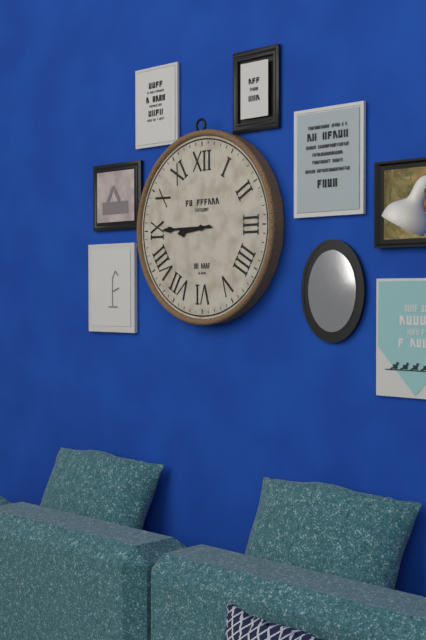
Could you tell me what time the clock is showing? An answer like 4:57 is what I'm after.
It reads 8:45
